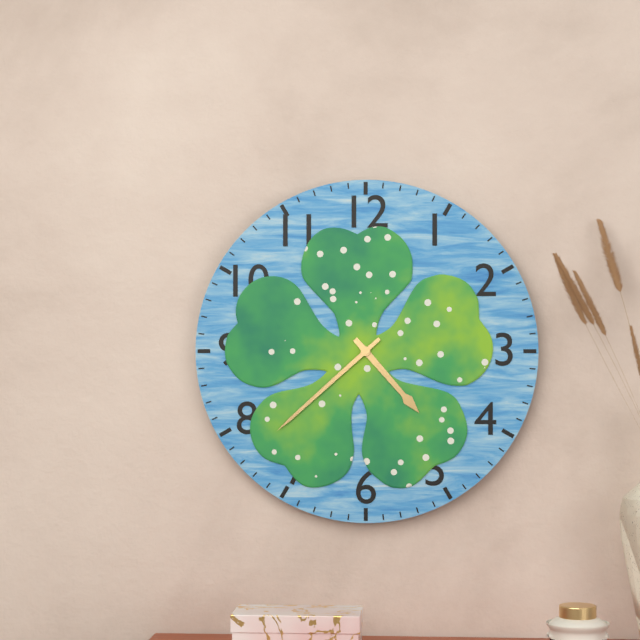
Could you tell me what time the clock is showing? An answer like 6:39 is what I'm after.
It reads 4:38
